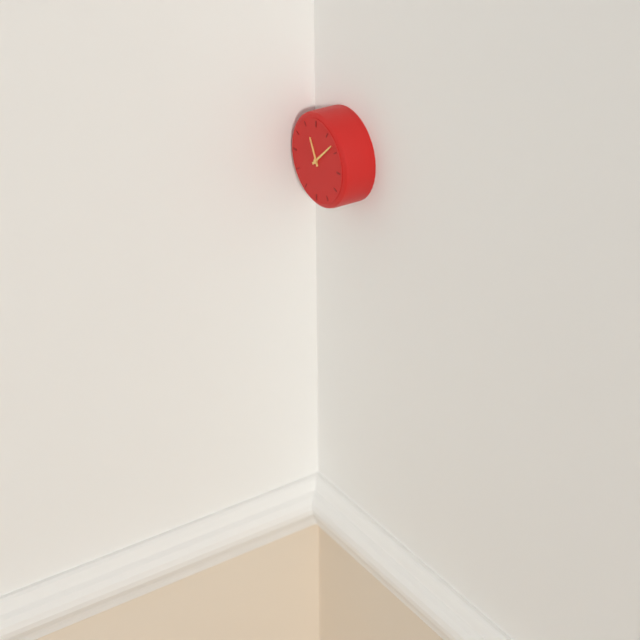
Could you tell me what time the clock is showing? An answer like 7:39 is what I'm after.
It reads 11:08
